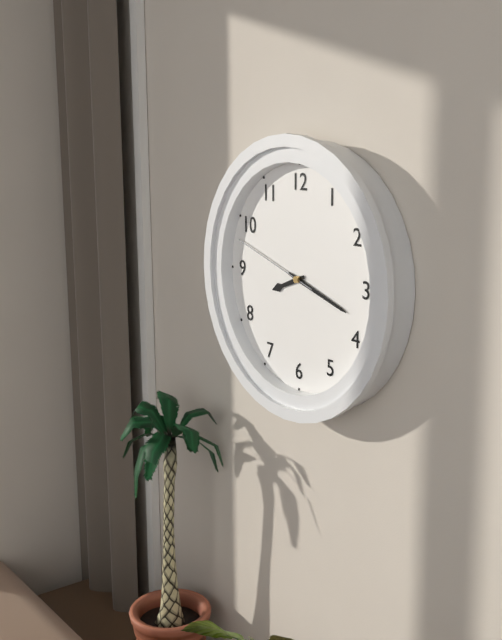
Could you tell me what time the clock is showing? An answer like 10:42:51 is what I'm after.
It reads 8:18:48
